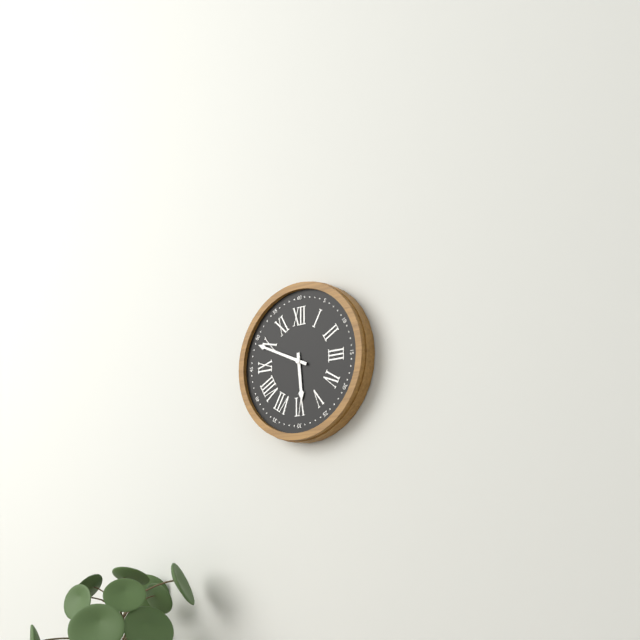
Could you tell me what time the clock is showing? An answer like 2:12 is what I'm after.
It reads 5:49
